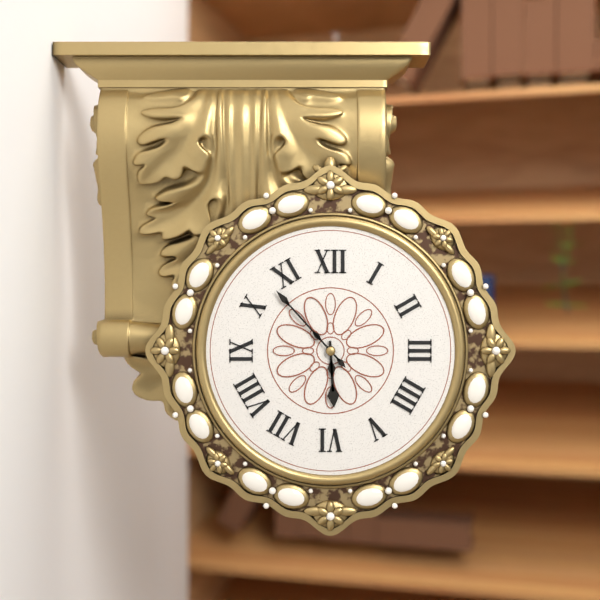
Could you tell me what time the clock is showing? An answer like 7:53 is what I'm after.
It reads 5:53
